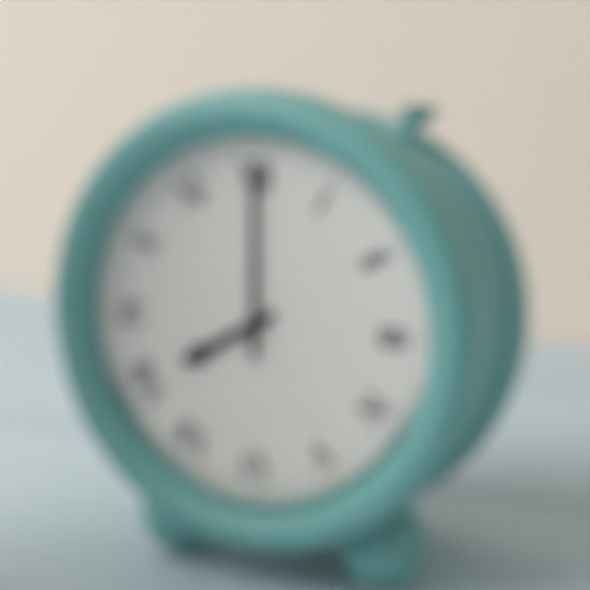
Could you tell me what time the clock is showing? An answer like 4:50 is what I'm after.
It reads 8:00
